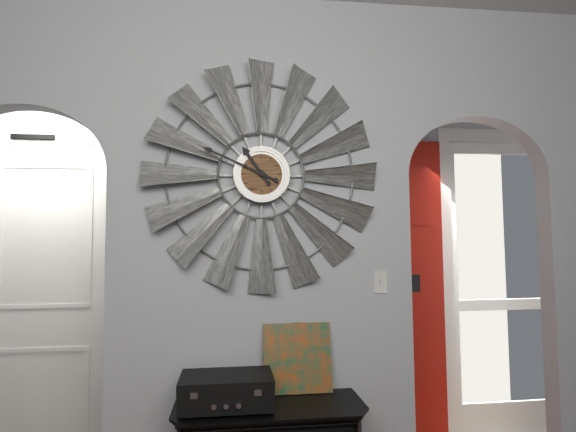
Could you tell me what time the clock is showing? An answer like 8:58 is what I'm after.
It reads 10:49
